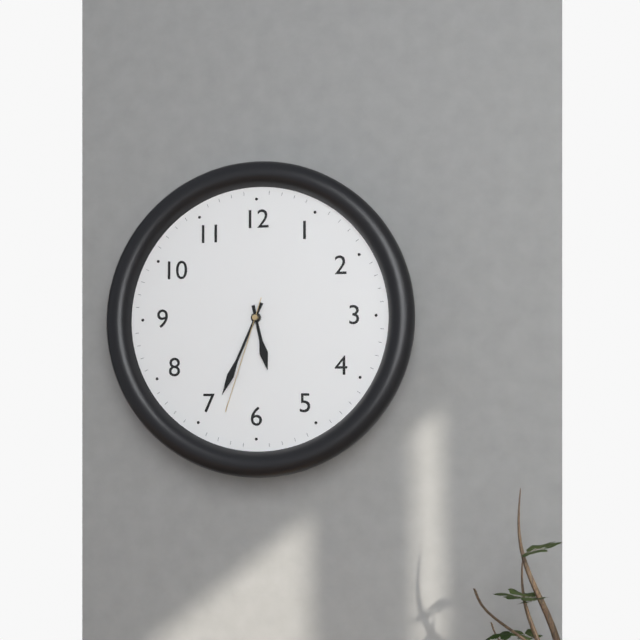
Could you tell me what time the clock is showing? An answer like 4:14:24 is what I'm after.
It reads 5:34:33
